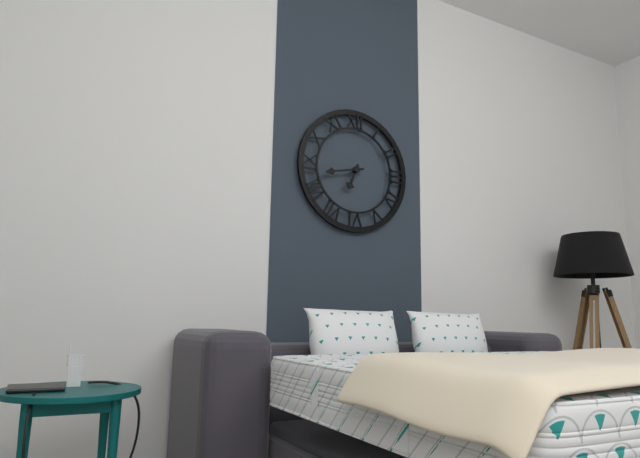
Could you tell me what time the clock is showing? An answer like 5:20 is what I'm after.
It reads 6:43
